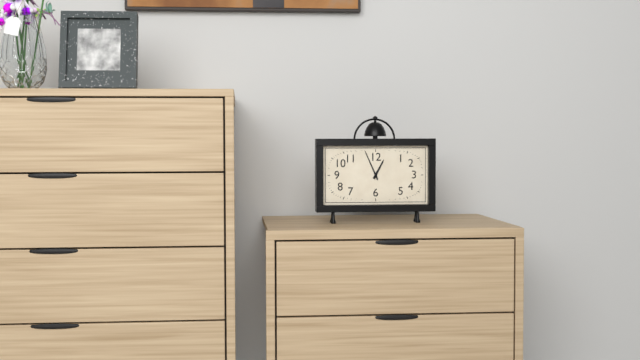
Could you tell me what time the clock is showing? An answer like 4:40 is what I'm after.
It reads 12:56
